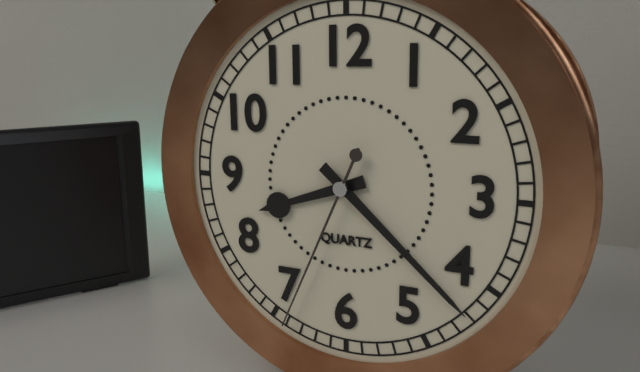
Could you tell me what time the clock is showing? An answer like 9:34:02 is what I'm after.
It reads 8:22:34
